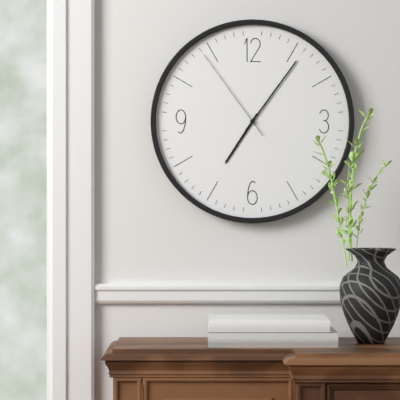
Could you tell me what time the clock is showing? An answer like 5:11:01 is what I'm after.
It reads 7:06:54
